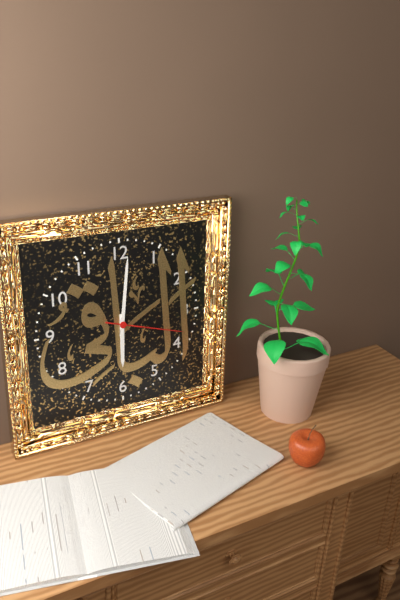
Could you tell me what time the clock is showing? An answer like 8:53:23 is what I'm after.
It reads 6:01:18
